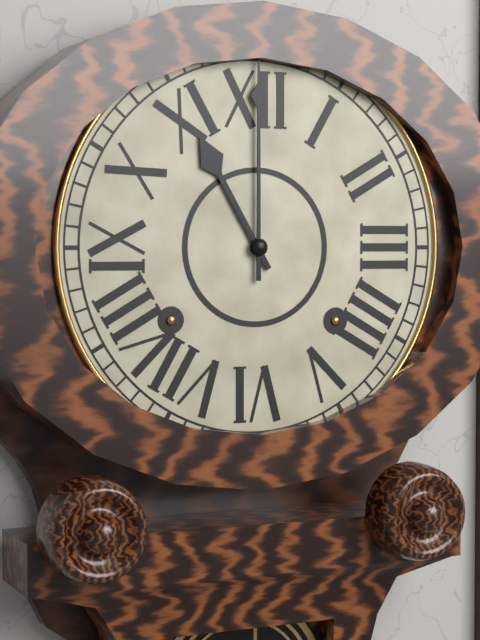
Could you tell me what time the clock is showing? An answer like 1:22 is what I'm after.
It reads 11:00
